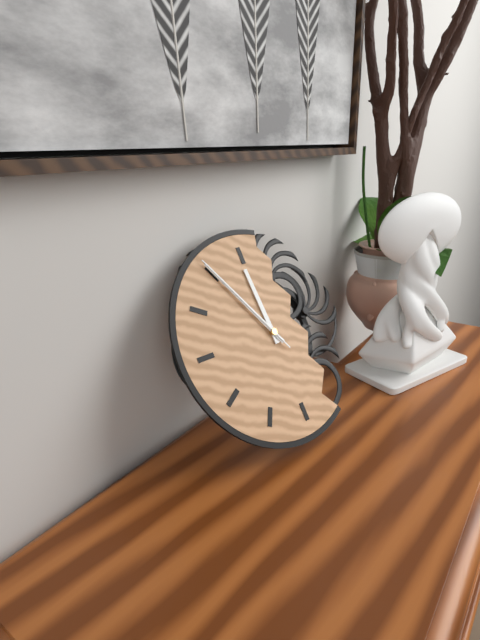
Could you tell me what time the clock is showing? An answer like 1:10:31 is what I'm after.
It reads 11:55:55
